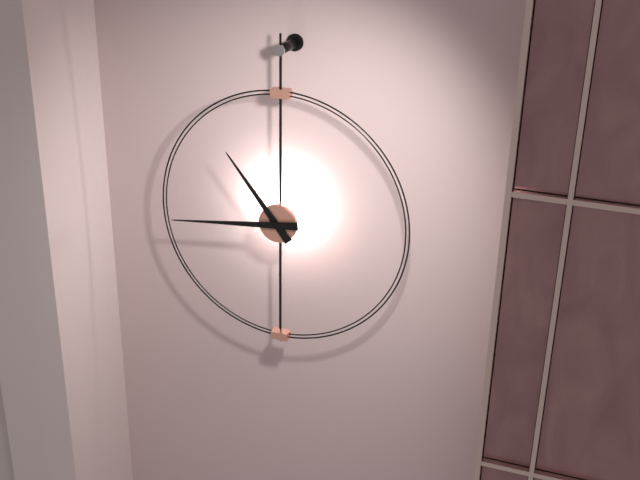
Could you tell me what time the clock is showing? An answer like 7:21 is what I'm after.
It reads 10:44
